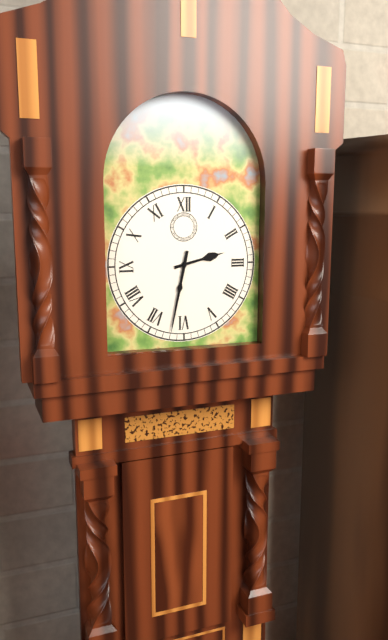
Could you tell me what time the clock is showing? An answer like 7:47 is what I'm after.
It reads 2:32
